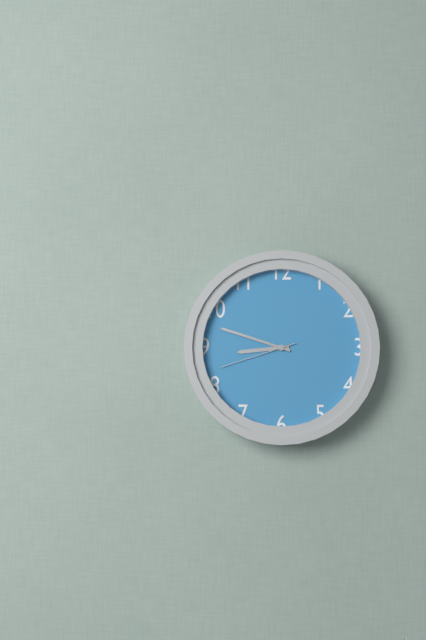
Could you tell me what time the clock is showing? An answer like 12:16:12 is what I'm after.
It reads 8:48:42
